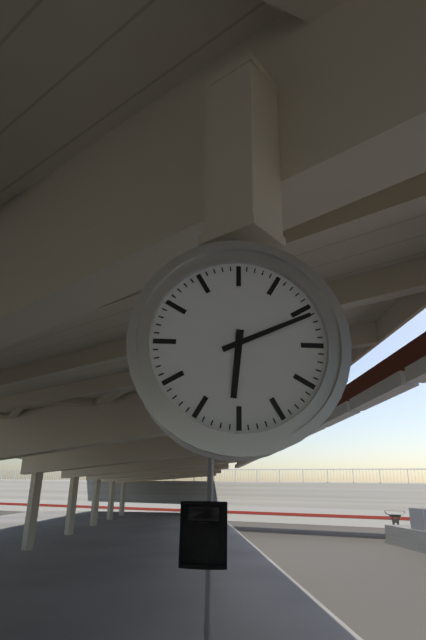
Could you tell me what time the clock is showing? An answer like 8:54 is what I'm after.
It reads 6:11
